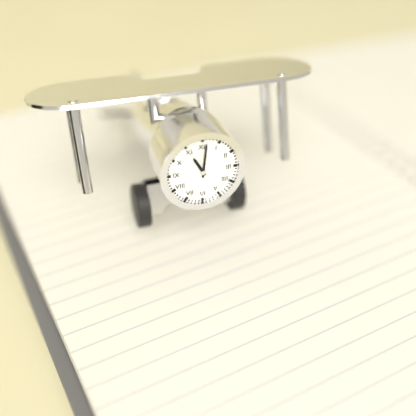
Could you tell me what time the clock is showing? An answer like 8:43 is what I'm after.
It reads 11:01
